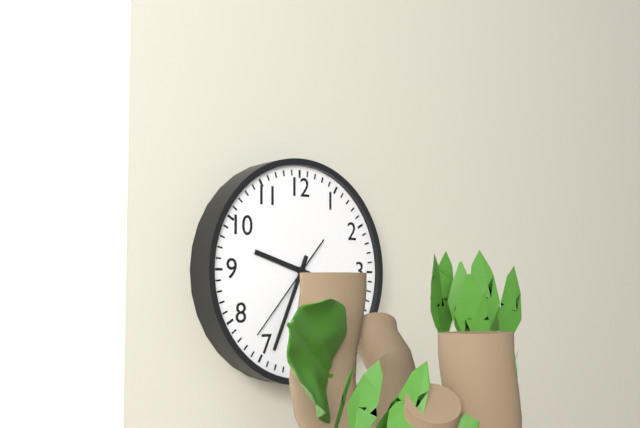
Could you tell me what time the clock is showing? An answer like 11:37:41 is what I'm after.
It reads 9:34:37
